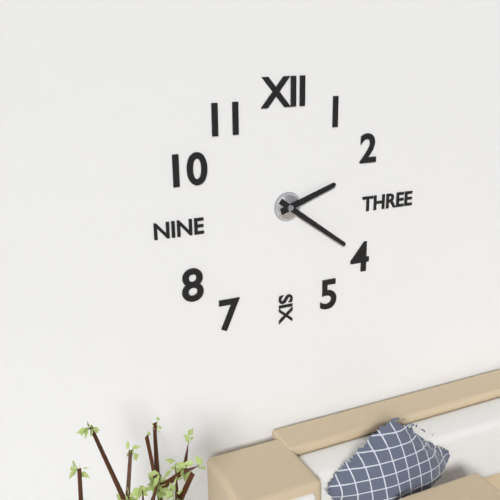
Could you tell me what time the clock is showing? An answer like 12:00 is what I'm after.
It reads 2:21
